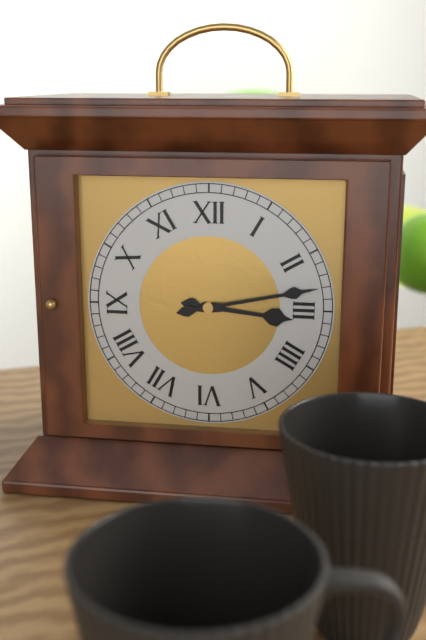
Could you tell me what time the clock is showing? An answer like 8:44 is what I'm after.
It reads 3:13
